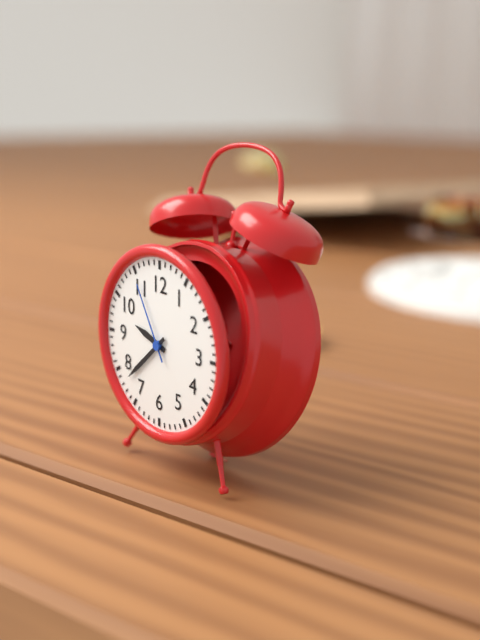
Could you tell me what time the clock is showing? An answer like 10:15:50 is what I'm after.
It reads 9:38:55
